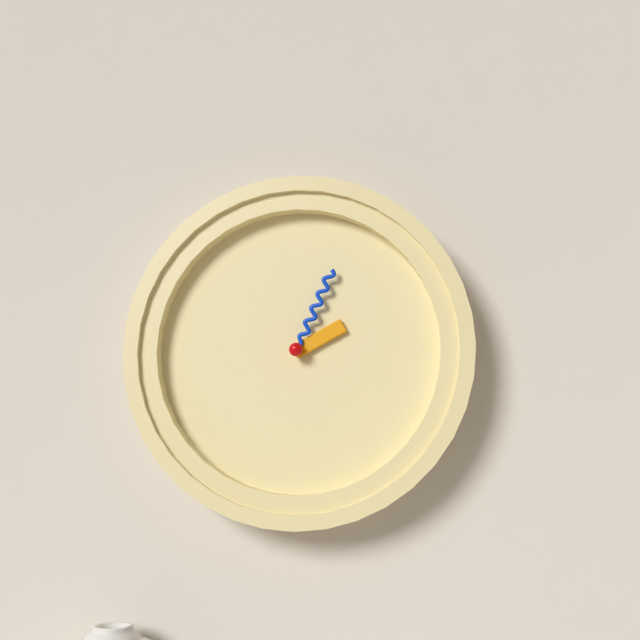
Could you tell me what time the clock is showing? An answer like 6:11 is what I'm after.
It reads 2:04
